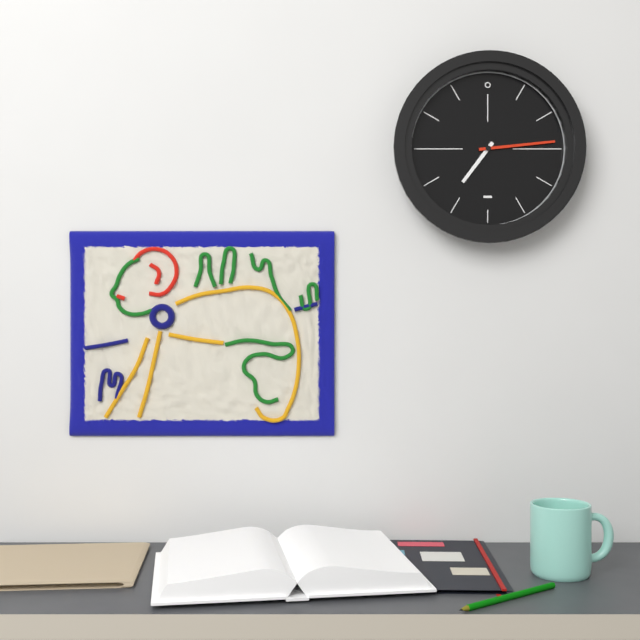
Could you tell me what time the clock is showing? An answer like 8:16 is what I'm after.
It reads 7:14
